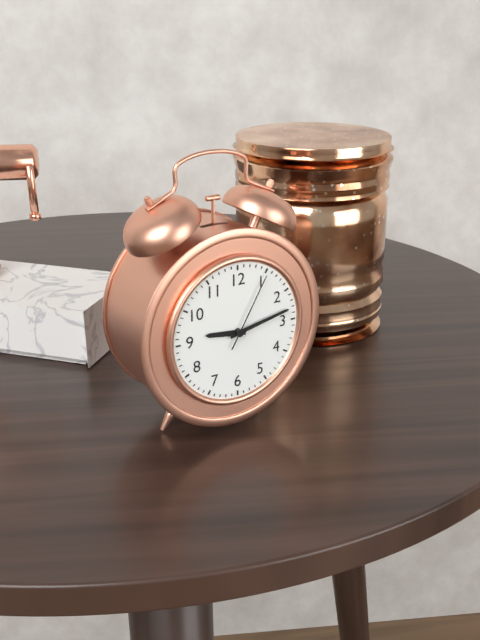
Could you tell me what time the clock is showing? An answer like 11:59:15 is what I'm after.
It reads 9:13:05
